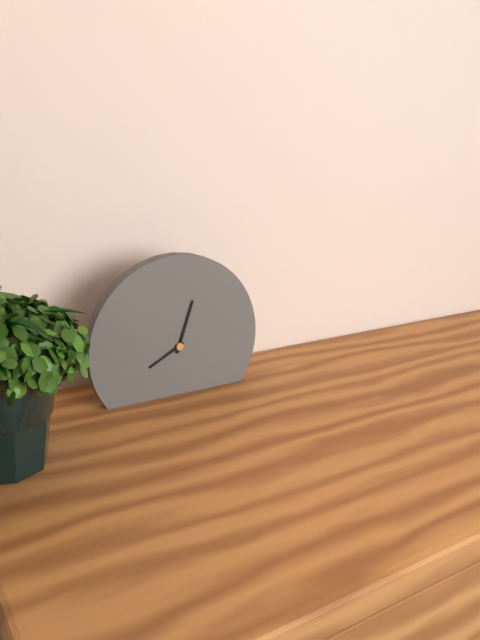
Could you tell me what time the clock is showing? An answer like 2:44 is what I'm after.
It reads 8:03
